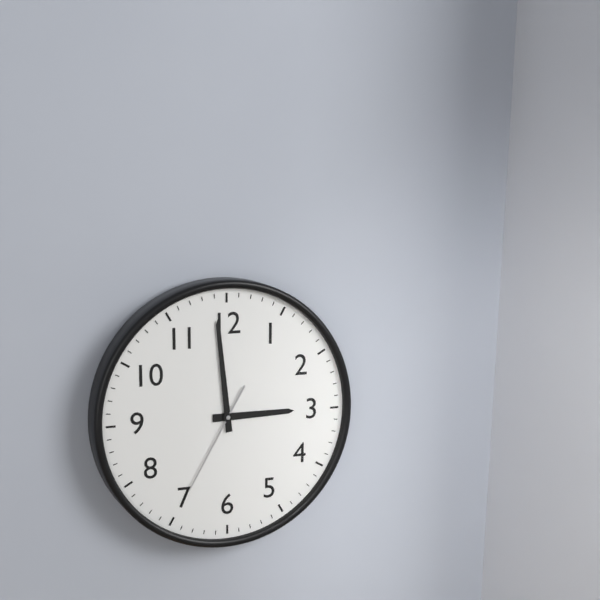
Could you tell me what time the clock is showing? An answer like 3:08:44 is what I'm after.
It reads 2:59:35
